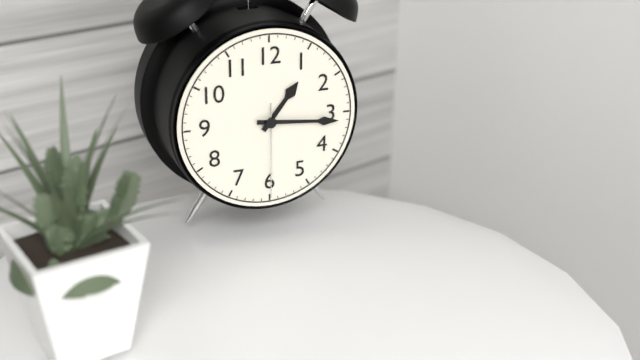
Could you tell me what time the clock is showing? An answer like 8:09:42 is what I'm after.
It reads 1:16:30
